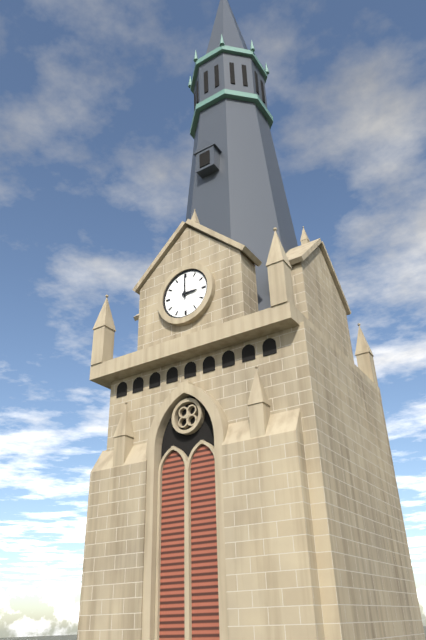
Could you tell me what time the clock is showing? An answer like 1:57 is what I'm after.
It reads 3:00
